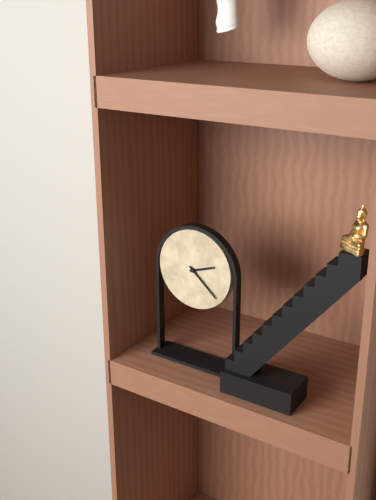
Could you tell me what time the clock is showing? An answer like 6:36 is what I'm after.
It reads 2:22
